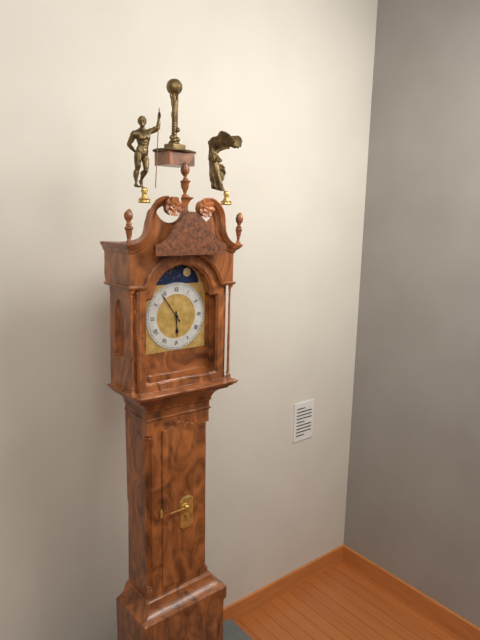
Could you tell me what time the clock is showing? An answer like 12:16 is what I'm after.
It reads 5:54
